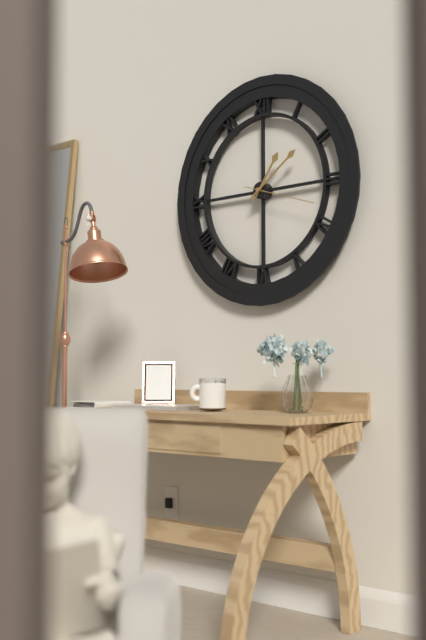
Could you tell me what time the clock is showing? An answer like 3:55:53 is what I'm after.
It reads 1:09:18
